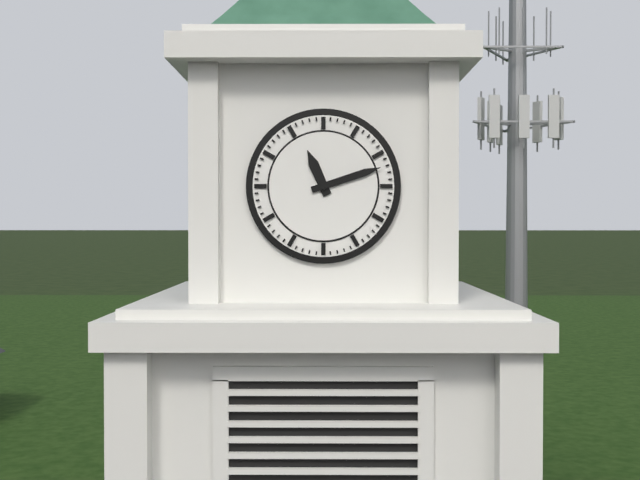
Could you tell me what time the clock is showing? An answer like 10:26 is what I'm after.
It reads 11:12
